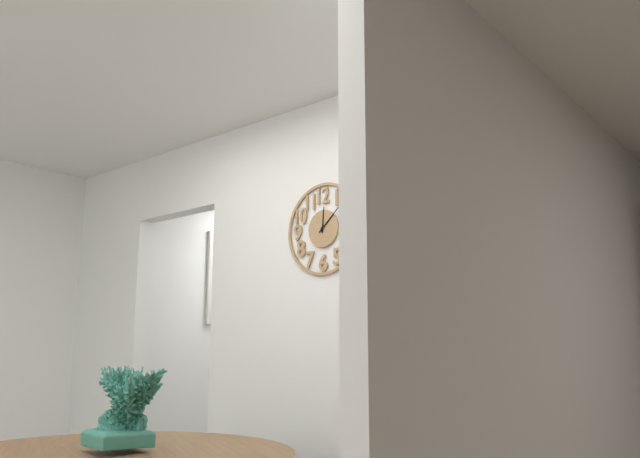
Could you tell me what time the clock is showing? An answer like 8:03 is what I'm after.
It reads 12:08
